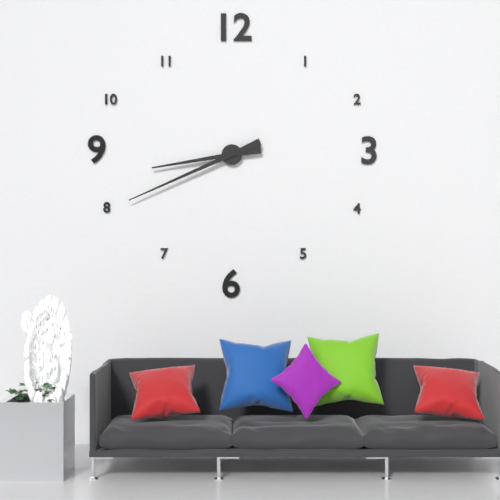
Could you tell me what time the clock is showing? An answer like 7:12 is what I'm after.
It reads 8:41
